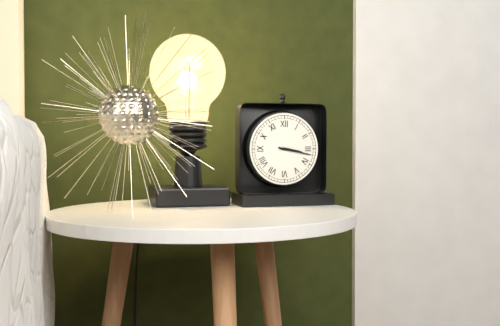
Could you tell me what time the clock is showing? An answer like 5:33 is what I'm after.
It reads 3:17
